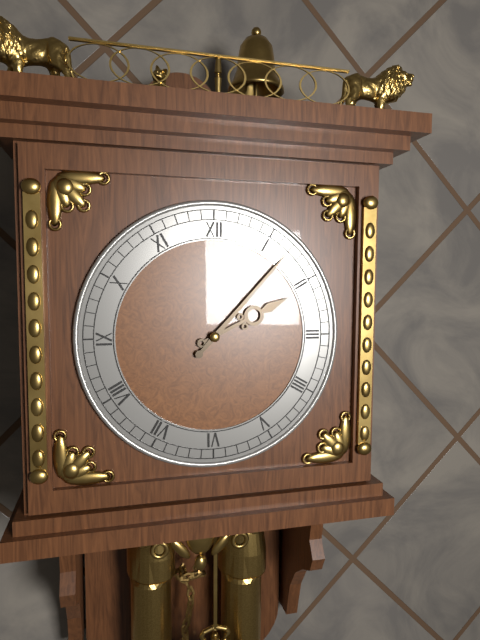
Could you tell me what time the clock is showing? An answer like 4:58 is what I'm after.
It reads 2:07
